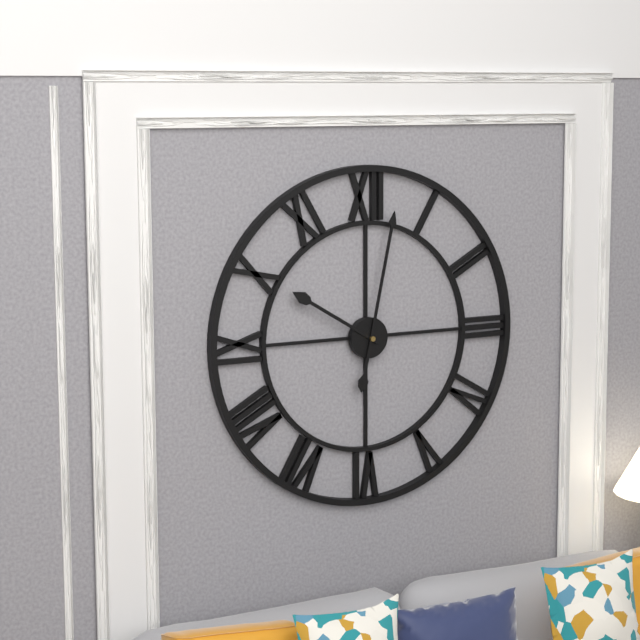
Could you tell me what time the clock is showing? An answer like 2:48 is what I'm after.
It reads 10:02
